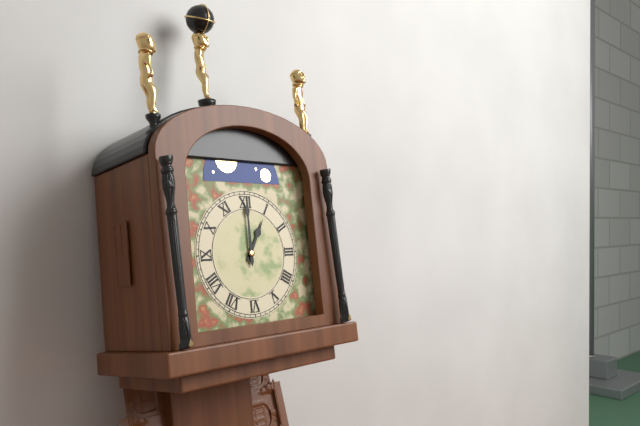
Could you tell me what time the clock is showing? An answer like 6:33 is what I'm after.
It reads 1:00
